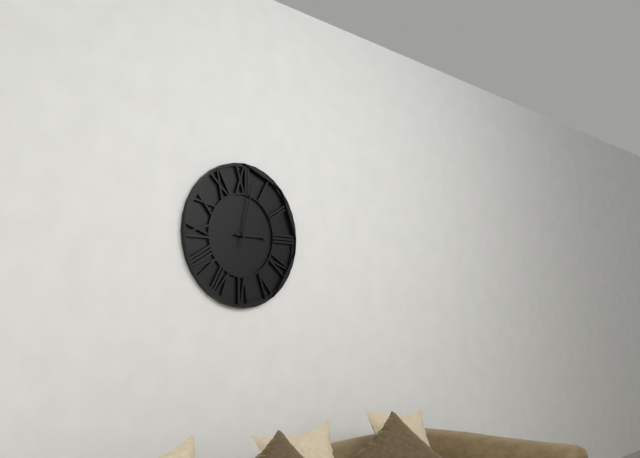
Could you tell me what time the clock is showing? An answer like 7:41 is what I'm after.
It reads 3:02
